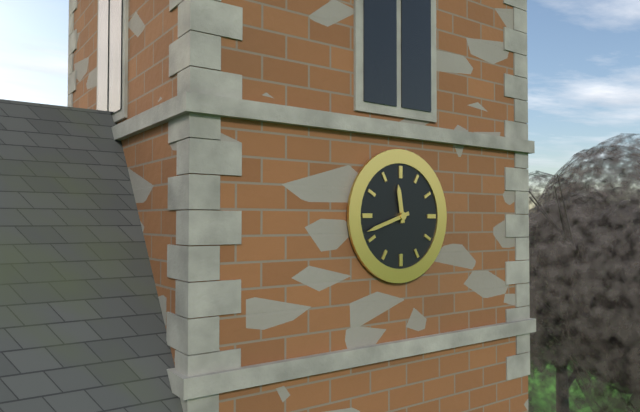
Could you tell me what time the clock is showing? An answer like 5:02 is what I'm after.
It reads 11:42
